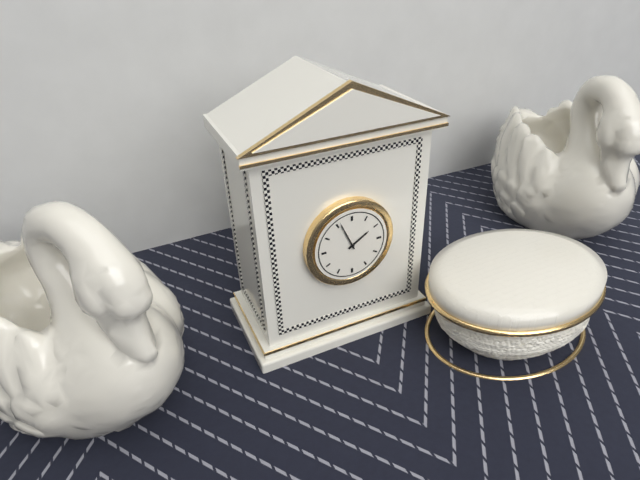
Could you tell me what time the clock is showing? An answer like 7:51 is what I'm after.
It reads 1:56
